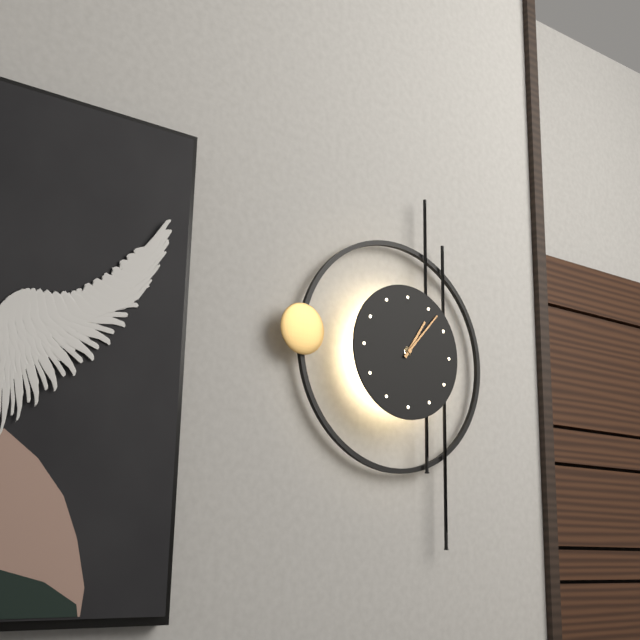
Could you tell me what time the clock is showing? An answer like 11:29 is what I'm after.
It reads 1:07
